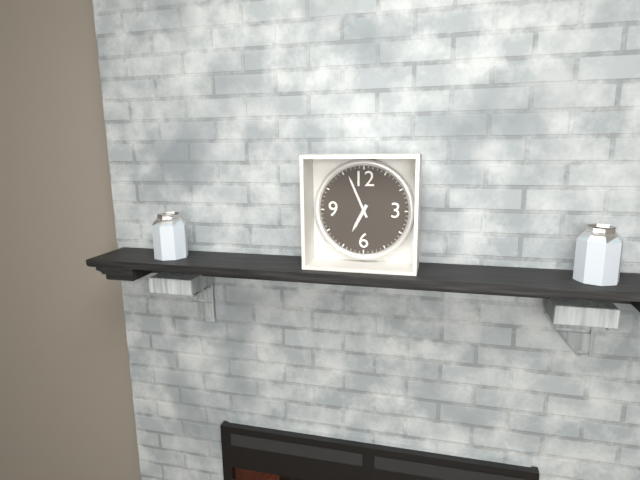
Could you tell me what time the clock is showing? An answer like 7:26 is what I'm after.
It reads 6:56
